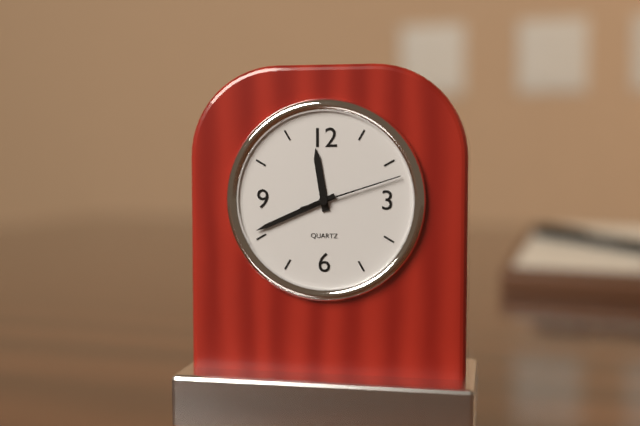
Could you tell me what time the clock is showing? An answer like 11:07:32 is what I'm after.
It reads 11:41:12
